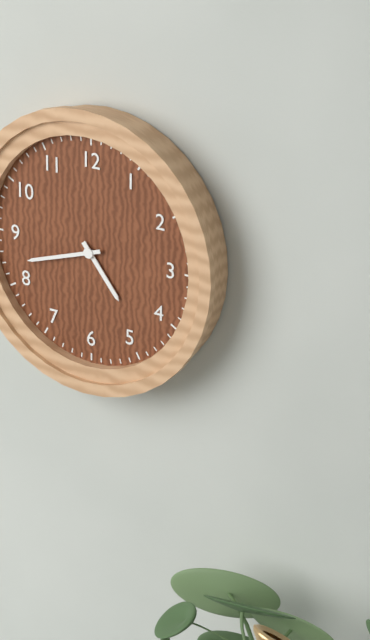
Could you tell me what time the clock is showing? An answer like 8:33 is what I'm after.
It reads 4:42
